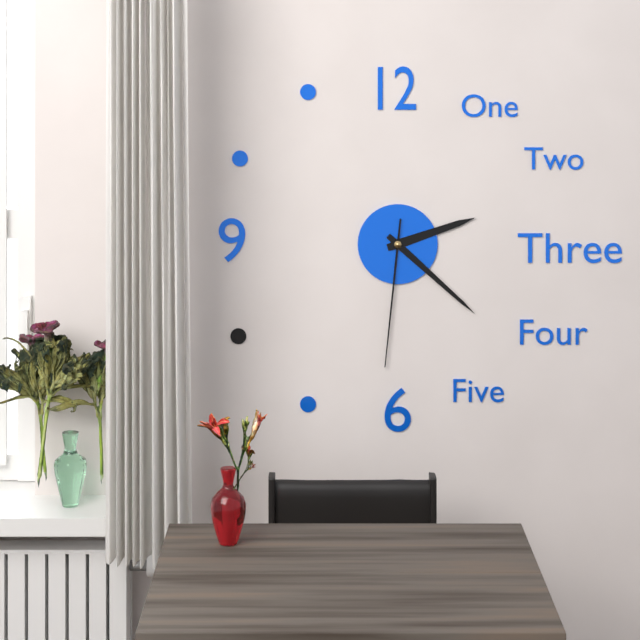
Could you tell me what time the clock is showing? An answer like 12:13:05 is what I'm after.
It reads 2:22:31
